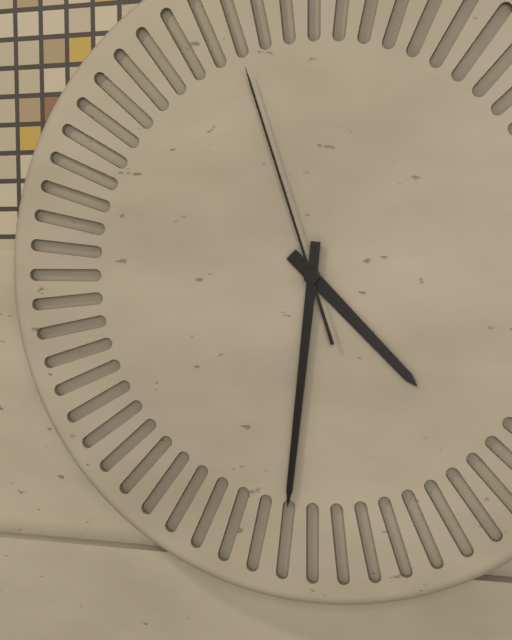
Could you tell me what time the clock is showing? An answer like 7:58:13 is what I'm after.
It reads 4:31:57
